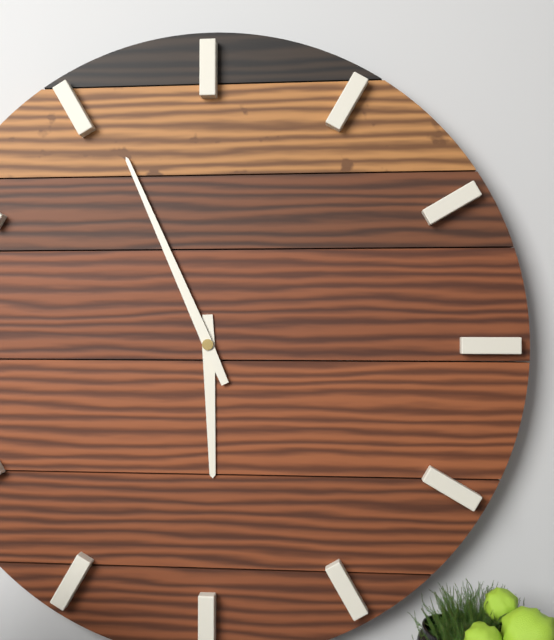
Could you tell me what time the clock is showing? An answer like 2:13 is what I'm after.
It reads 5:56
